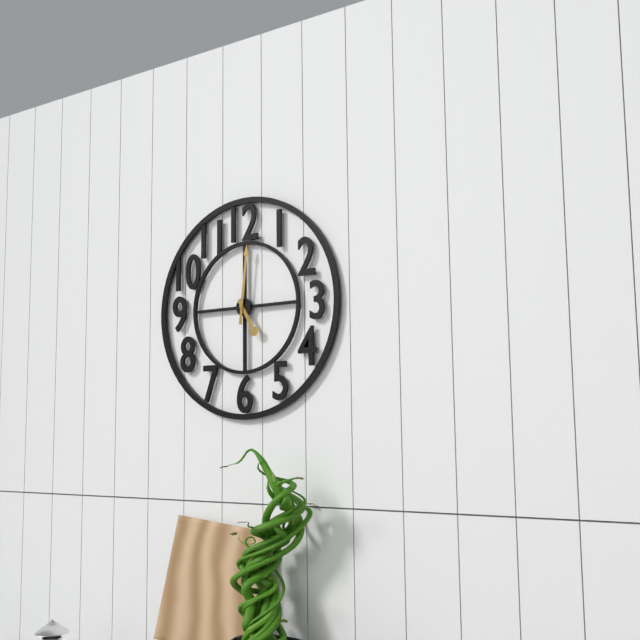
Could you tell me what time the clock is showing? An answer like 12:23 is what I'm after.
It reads 5:01
